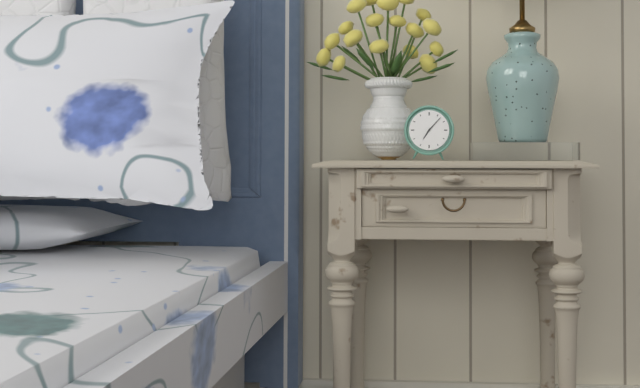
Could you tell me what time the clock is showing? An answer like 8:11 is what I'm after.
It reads 7:07
